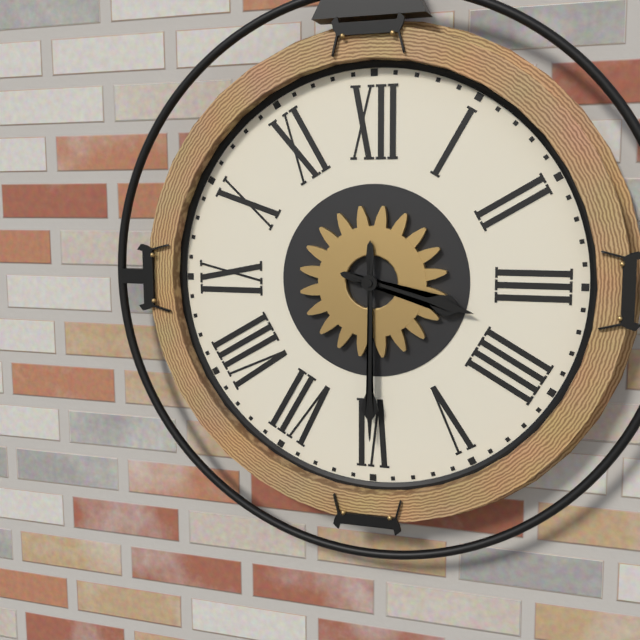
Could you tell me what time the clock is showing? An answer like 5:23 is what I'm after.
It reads 3:30
